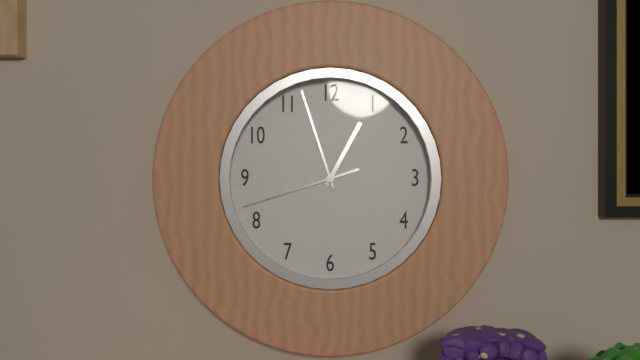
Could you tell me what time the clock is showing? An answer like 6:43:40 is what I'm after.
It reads 12:57:42
